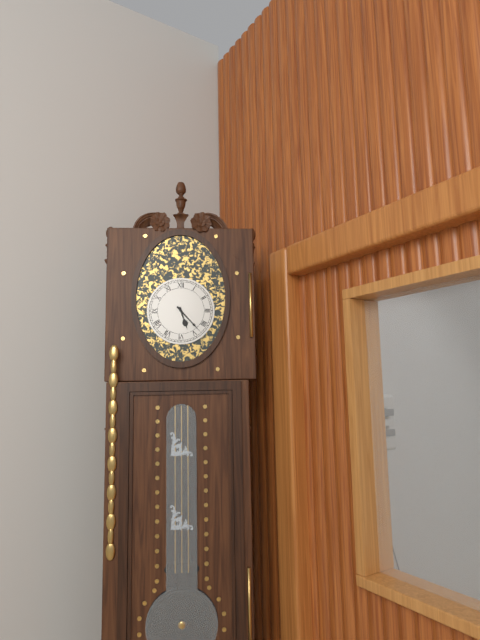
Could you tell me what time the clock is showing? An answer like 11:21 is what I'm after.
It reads 5:23
